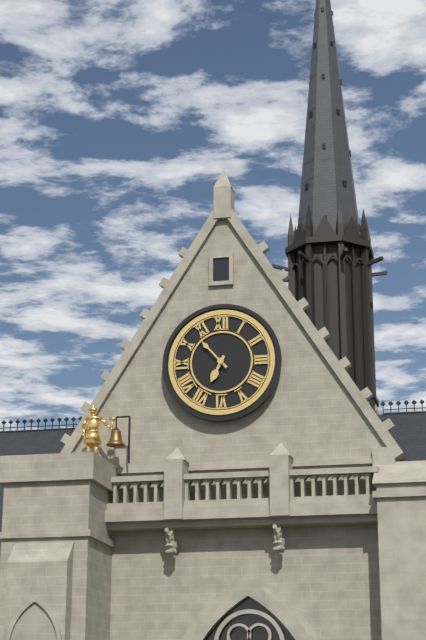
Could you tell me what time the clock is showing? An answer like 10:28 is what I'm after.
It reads 6:53
